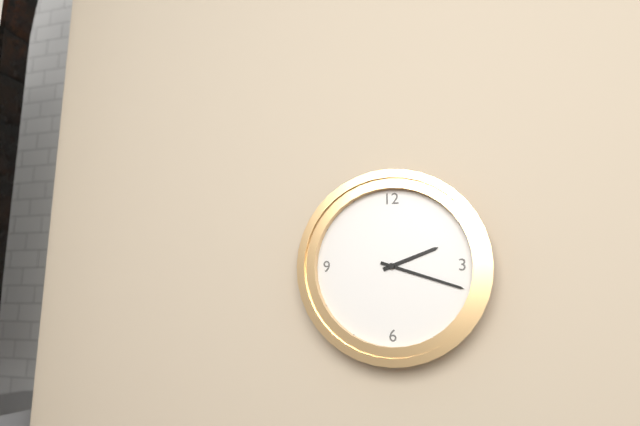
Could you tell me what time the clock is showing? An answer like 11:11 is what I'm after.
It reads 2:18
